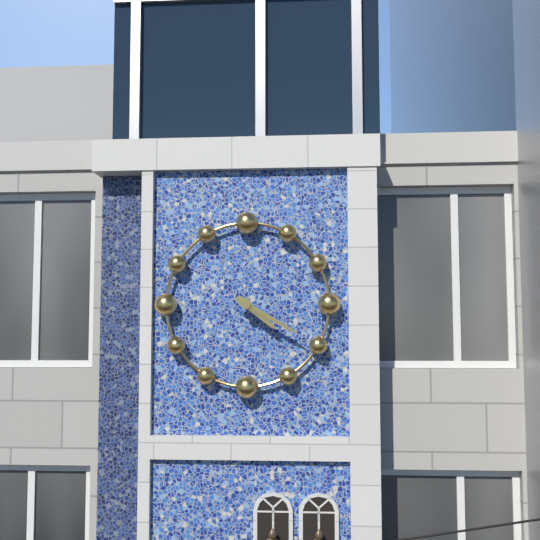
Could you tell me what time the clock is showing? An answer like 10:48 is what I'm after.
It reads 4:20
